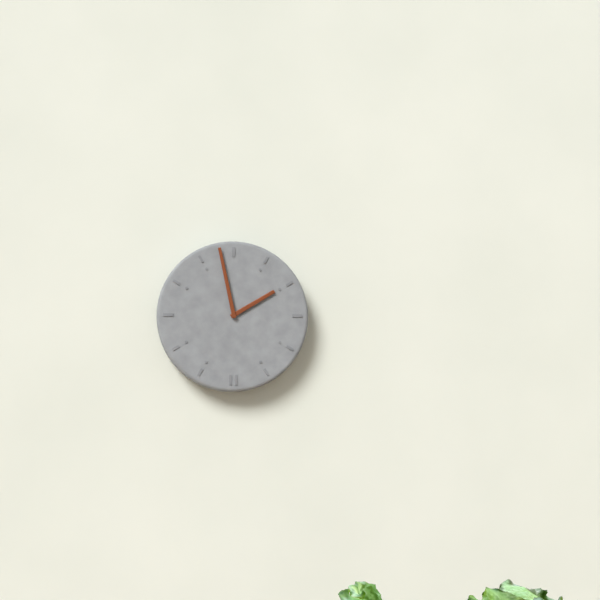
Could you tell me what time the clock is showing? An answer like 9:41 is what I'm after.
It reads 1:58
